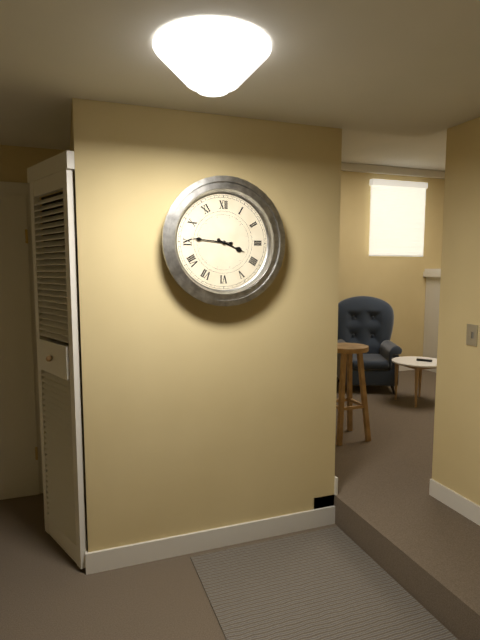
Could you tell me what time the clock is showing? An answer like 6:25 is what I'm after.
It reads 3:46
